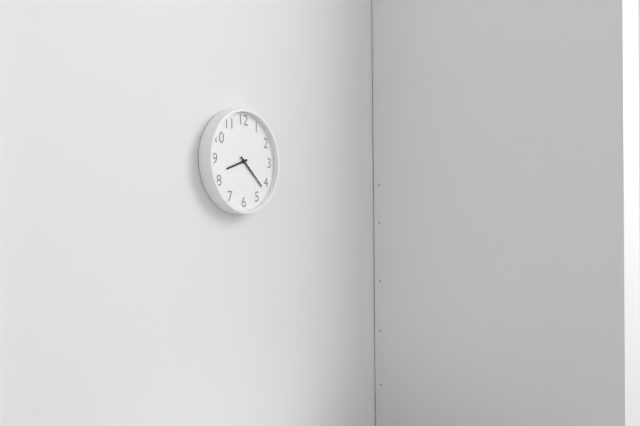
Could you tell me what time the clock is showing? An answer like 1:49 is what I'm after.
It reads 8:22
